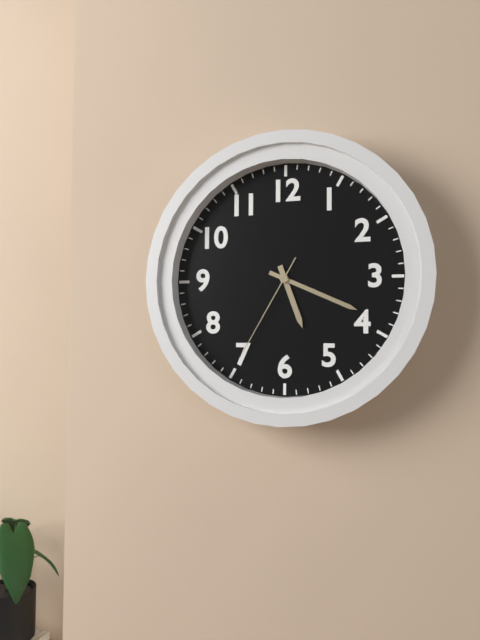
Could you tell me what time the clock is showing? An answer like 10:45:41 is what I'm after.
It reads 5:19:35
